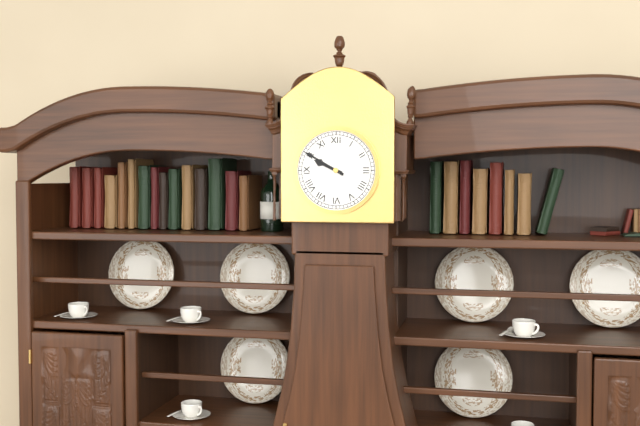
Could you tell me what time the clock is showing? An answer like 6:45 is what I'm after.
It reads 9:50
